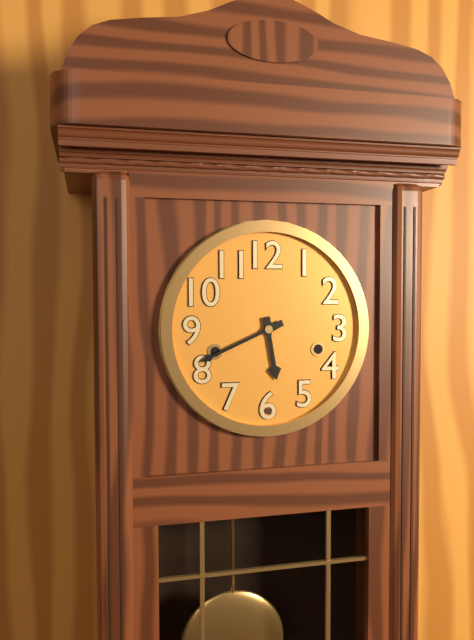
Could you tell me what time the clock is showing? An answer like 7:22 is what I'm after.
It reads 5:41
